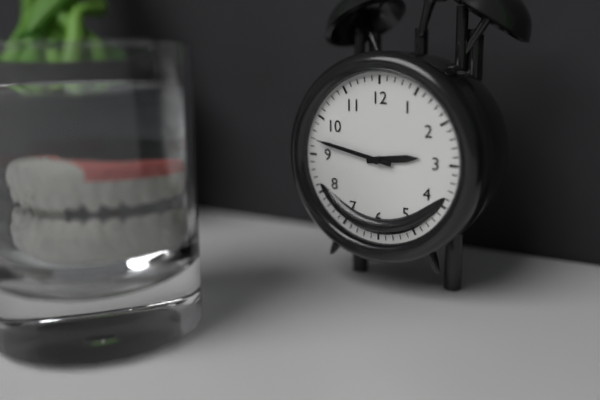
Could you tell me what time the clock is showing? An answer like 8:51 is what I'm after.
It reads 2:47
